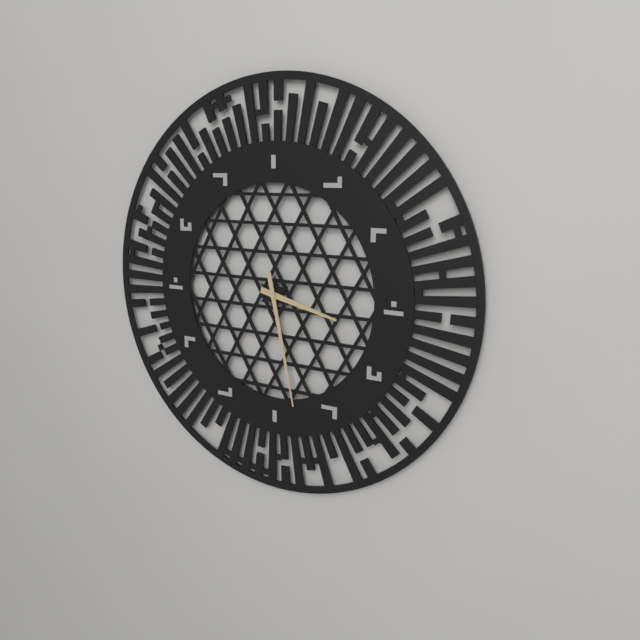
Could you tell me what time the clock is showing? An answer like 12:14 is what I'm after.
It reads 3:28
